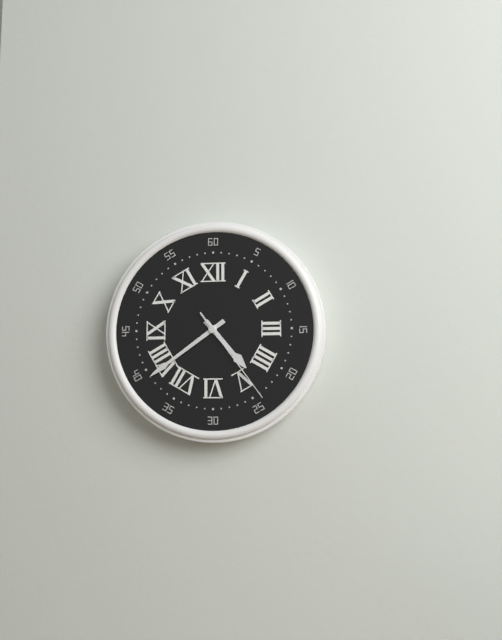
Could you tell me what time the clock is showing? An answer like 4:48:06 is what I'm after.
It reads 4:39:24
